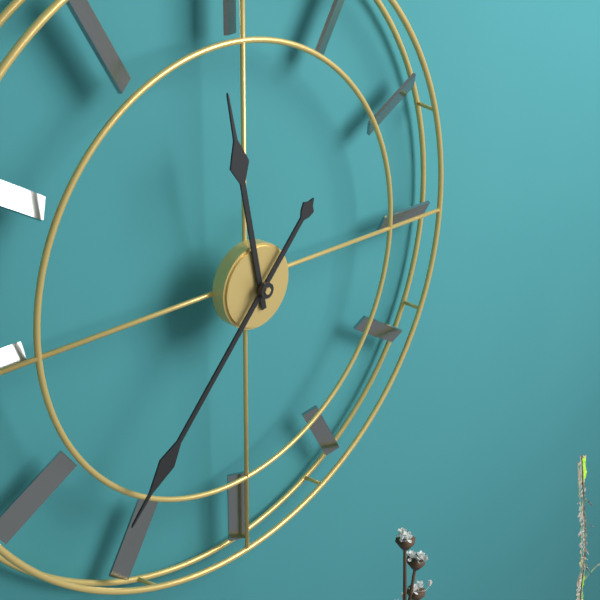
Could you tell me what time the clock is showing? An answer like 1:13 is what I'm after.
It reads 11:37
